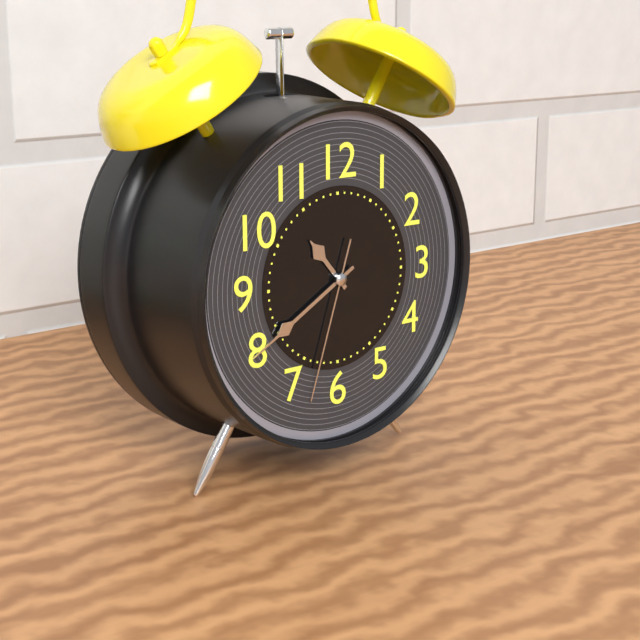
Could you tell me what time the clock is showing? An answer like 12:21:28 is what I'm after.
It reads 10:40:33
